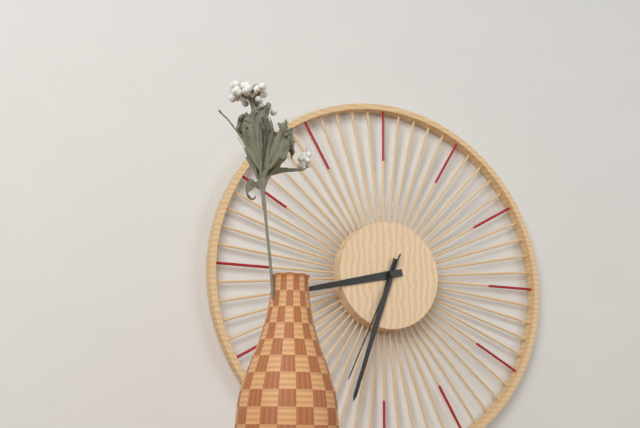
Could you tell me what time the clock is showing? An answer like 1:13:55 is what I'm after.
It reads 8:33:34
